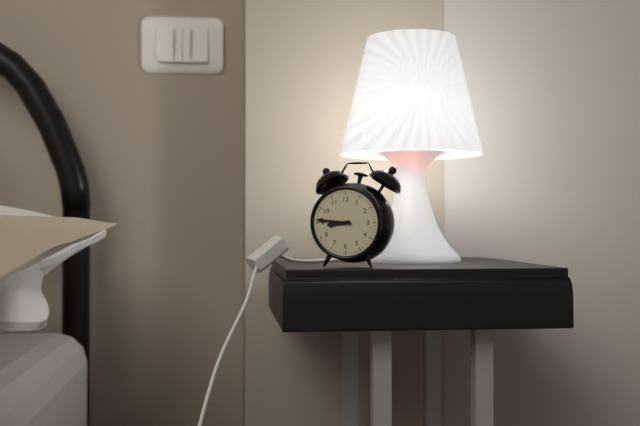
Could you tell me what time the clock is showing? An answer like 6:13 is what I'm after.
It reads 8:46
